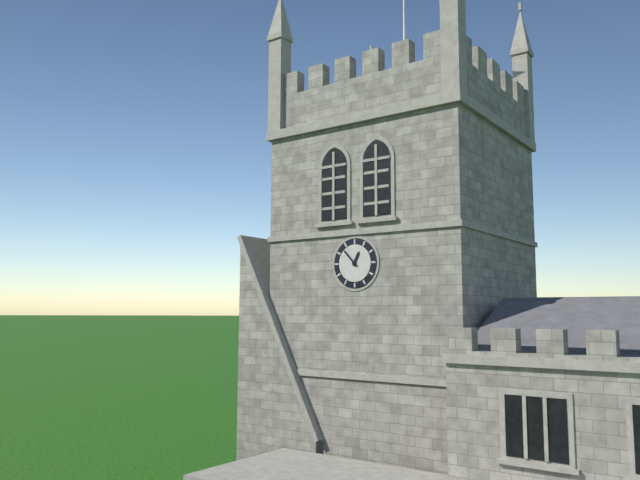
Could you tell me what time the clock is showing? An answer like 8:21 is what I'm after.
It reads 12:53
